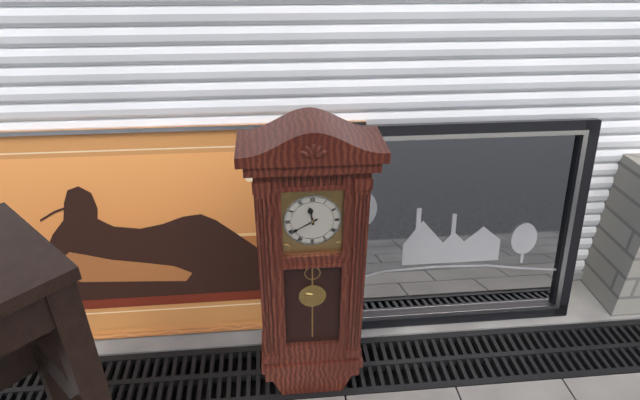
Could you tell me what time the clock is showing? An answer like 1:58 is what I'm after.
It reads 11:40
